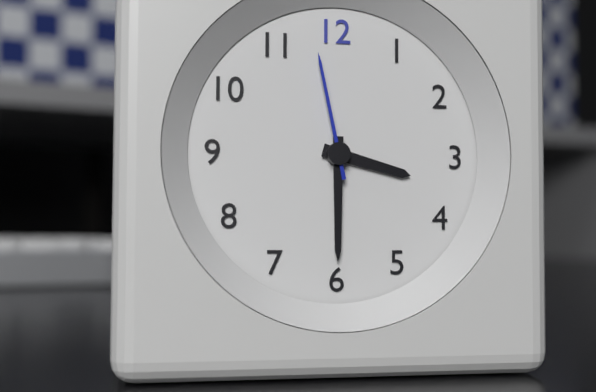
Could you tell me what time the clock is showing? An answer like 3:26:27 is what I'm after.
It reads 3:30:58
